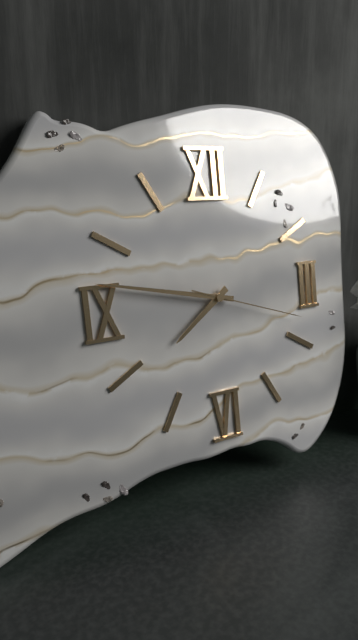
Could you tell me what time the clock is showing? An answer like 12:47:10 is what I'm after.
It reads 7:47:18
